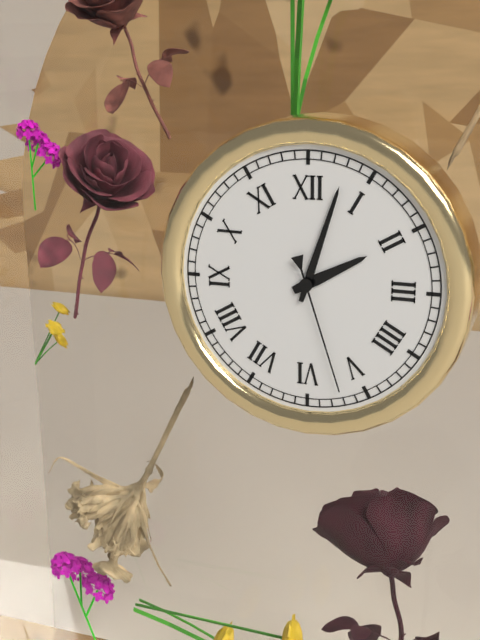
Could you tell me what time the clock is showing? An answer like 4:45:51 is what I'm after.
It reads 2:03:27
